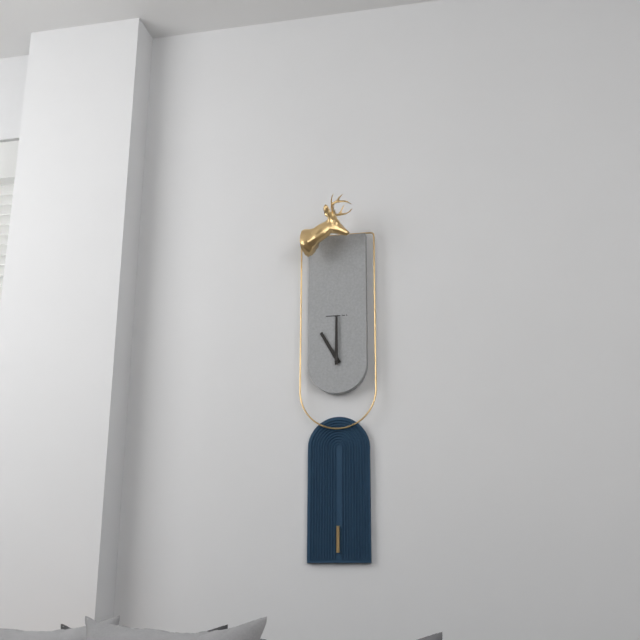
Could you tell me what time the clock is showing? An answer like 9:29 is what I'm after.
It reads 11:00
